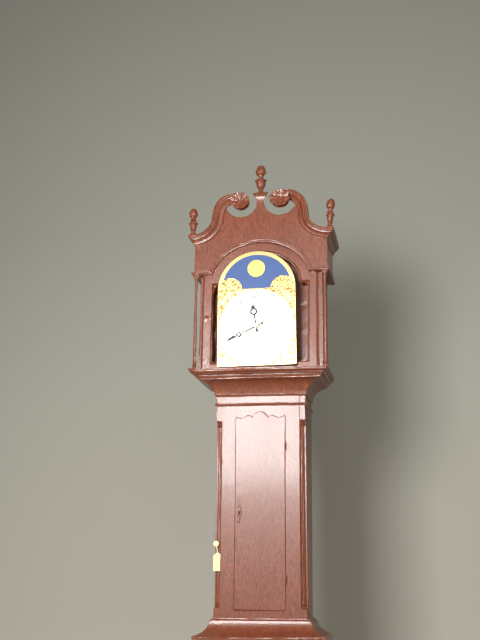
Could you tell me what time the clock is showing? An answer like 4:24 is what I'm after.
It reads 11:41
